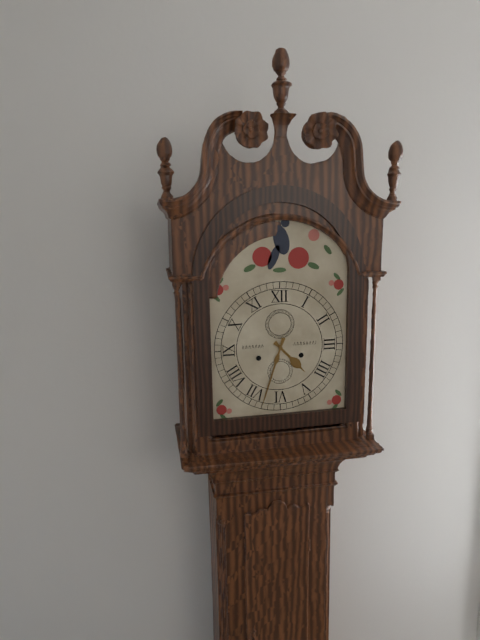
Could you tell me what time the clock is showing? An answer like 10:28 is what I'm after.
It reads 4:33
